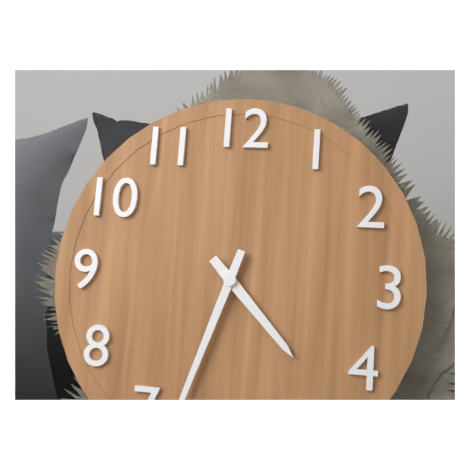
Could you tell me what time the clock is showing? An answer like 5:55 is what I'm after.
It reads 4:33
